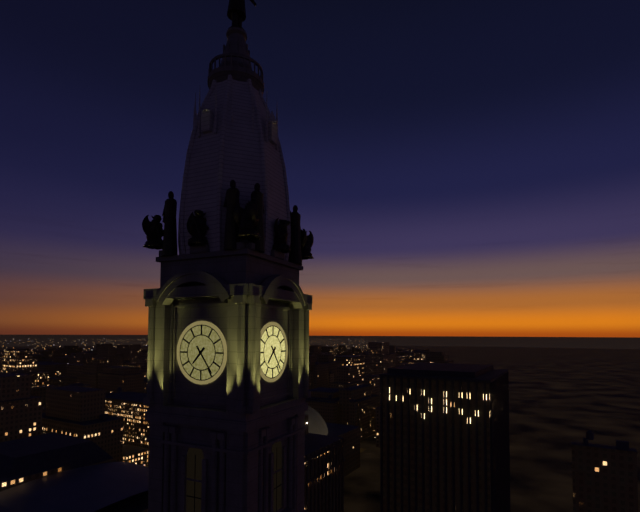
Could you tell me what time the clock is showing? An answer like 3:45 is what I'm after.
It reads 7:24
